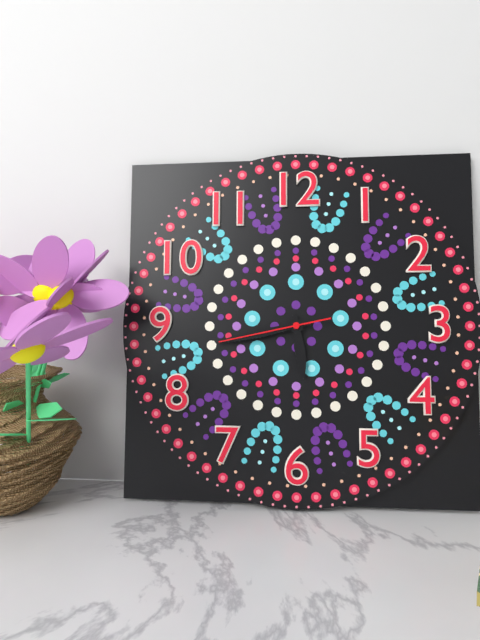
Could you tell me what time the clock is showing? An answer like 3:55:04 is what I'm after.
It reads 5:43:43
